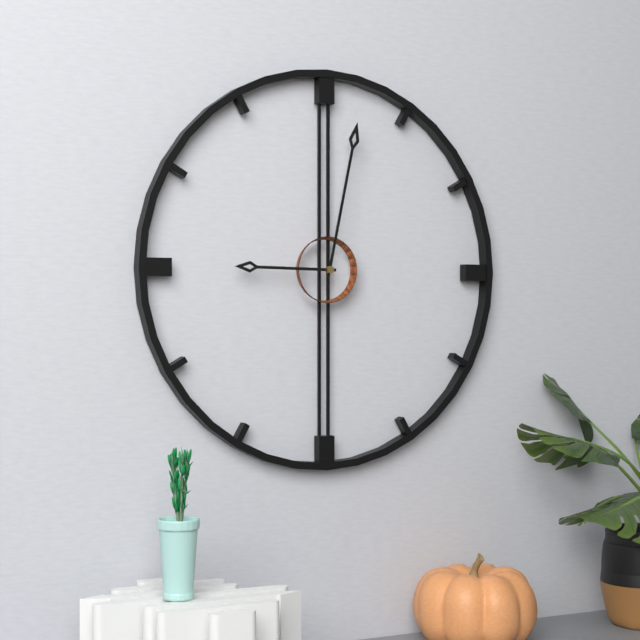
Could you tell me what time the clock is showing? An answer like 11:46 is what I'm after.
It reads 9:02
